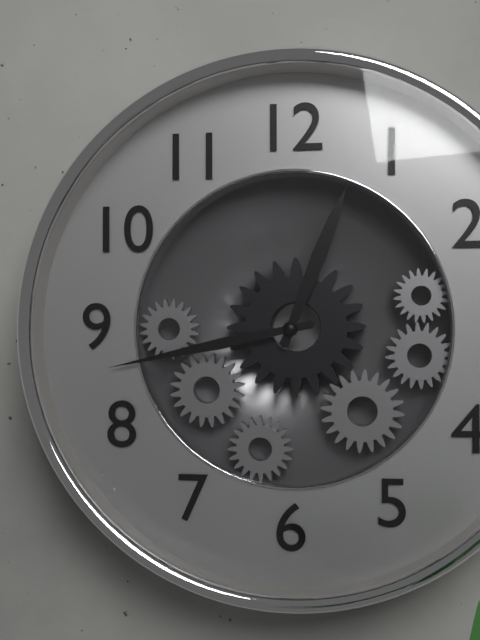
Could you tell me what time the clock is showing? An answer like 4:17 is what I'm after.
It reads 12:43
